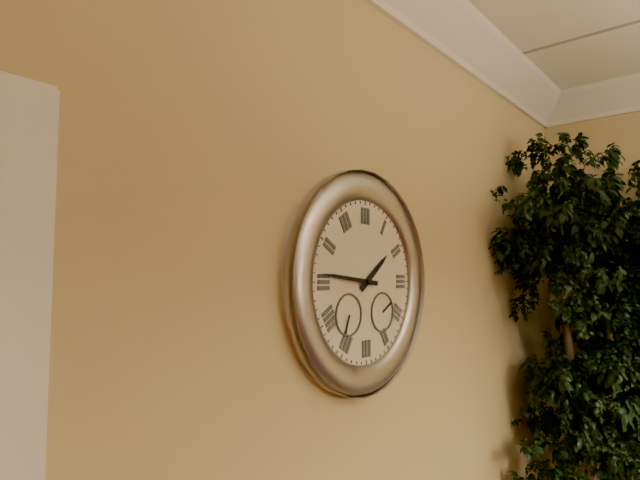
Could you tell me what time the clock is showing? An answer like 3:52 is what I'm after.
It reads 1:46
